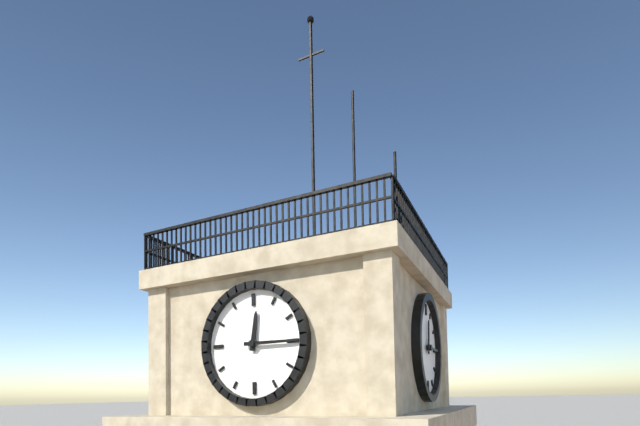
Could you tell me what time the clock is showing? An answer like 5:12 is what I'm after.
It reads 12:15
